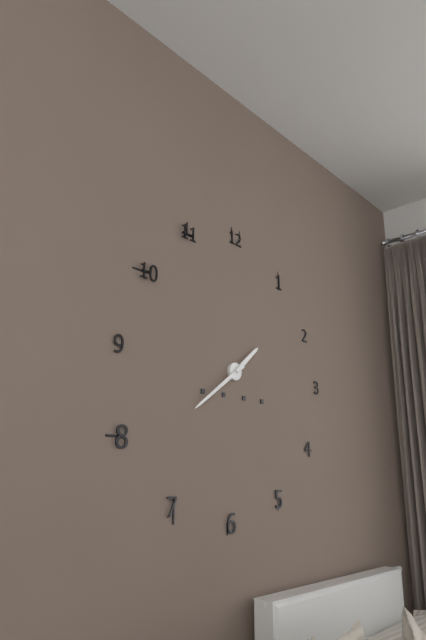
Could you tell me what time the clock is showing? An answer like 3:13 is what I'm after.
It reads 1:39
